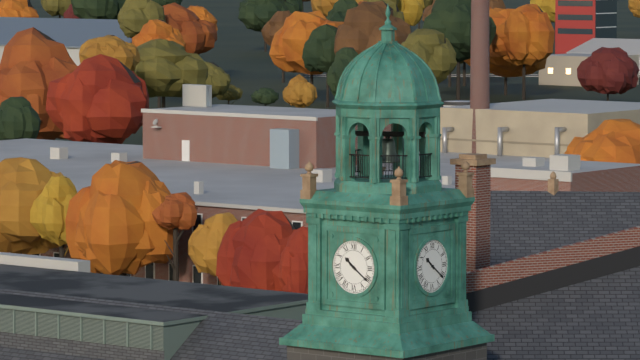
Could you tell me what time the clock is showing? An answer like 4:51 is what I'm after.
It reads 10:21
